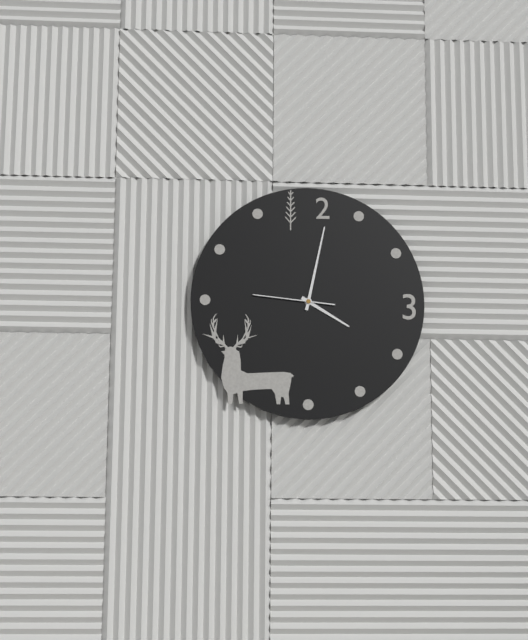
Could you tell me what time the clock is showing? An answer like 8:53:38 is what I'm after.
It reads 4:02:46
